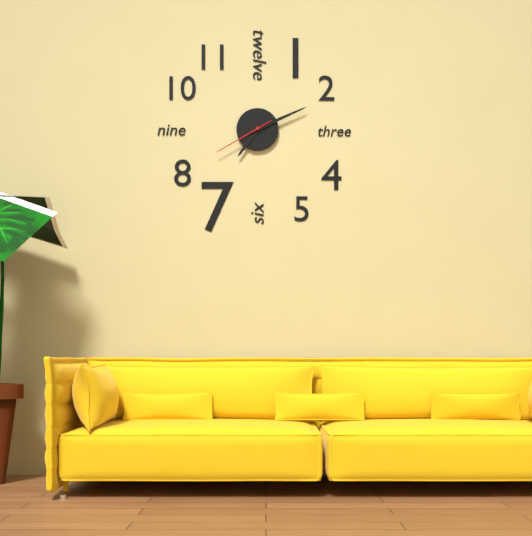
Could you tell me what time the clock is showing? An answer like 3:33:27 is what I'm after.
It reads 7:11:40
